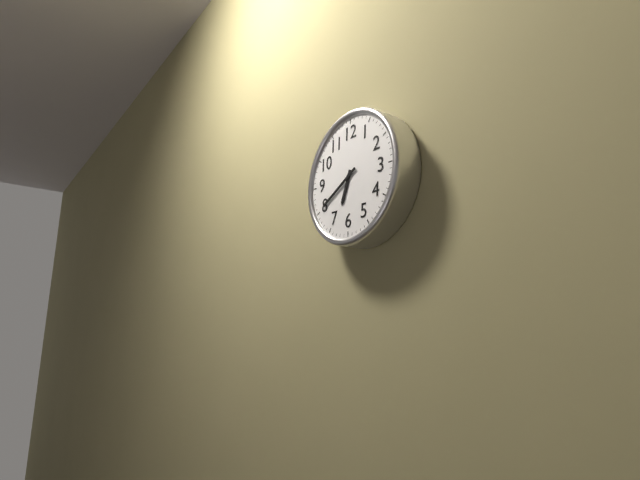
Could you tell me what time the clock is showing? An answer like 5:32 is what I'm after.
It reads 6:40
